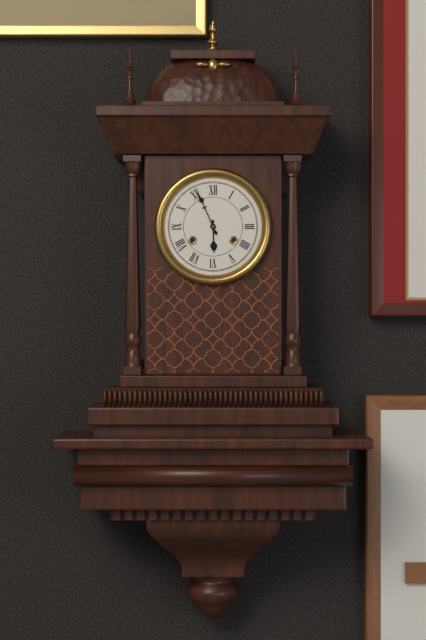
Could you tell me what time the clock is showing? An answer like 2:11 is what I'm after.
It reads 5:56
